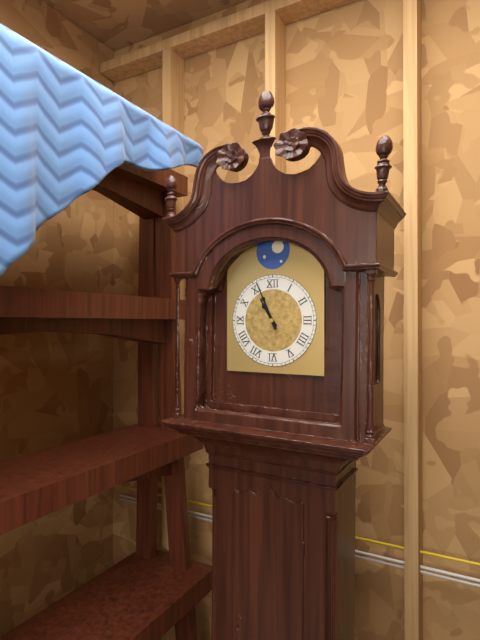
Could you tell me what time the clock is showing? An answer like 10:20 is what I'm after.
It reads 10:56
